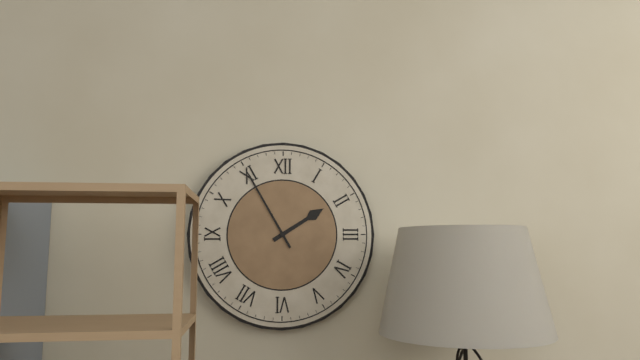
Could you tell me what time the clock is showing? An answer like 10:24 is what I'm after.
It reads 1:55
